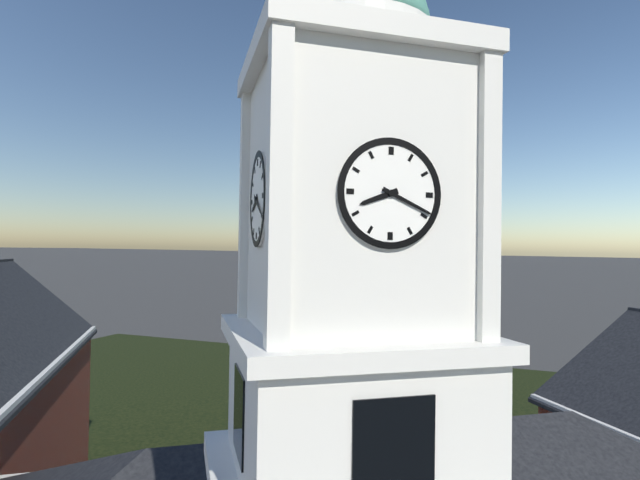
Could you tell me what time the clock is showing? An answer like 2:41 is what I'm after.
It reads 8:19
